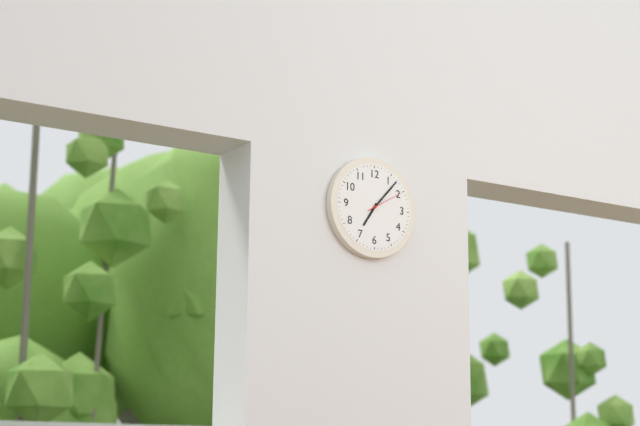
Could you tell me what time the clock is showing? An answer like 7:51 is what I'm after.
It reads 7:07
